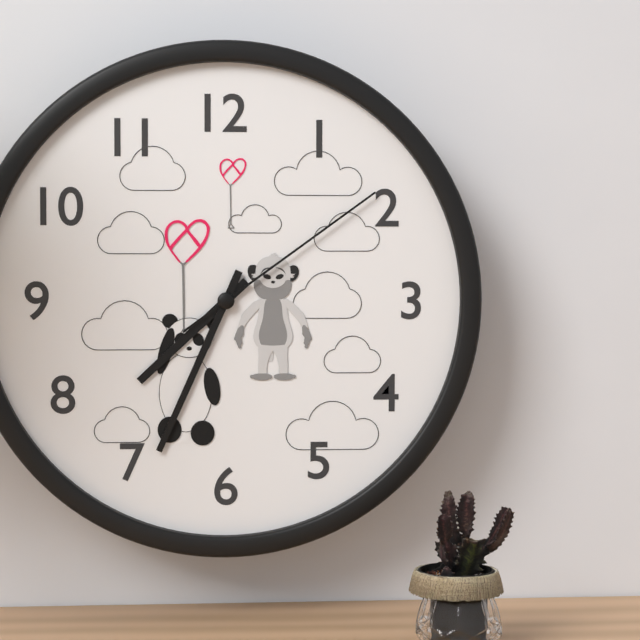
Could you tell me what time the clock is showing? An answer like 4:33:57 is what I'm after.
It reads 7:34:09
